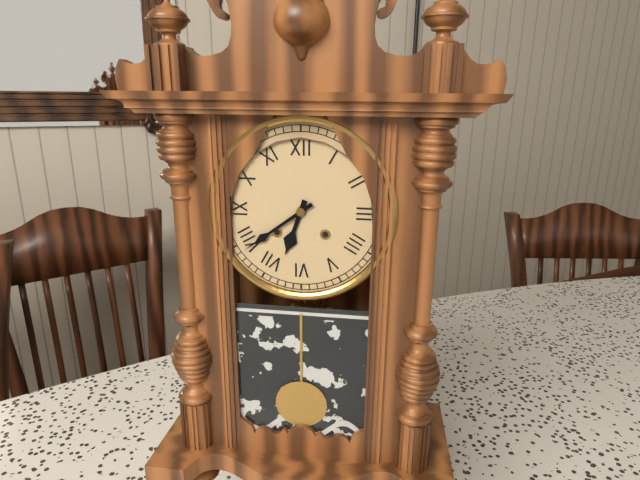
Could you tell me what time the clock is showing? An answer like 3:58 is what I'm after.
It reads 6:39
